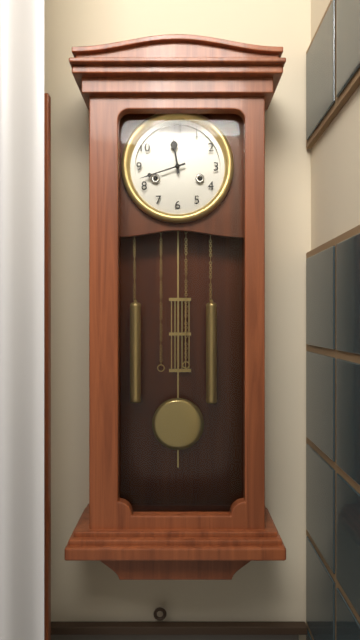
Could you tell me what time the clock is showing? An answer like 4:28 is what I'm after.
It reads 11:42
